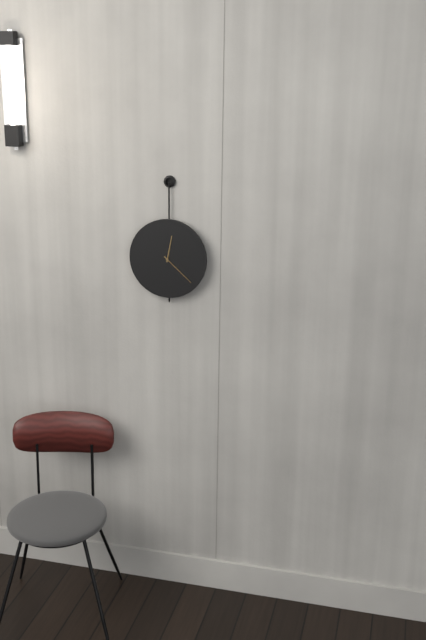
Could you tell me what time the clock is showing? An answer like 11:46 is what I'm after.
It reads 12:22
